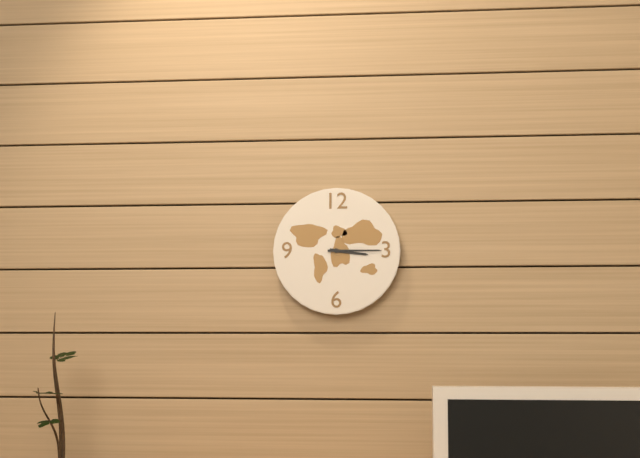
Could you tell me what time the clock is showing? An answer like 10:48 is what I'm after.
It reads 3:15
